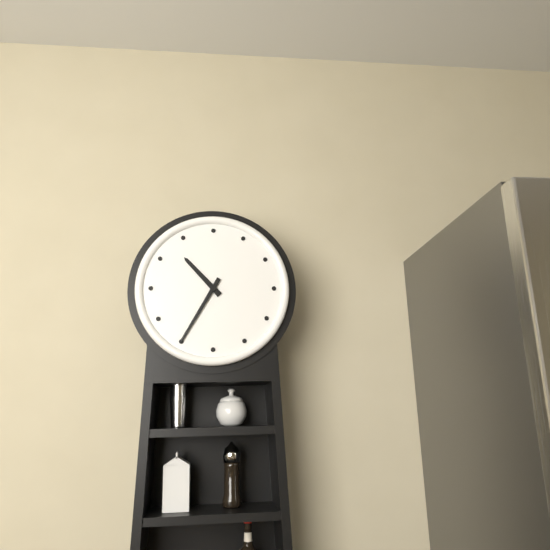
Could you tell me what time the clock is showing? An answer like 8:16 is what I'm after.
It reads 10:35
